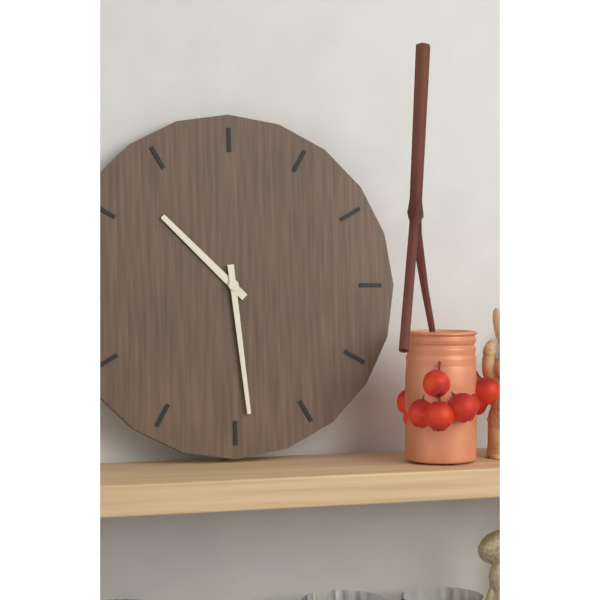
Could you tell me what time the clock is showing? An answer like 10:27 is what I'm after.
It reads 10:29
